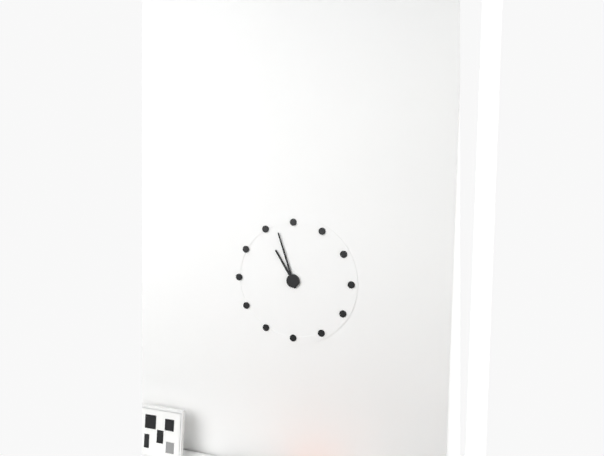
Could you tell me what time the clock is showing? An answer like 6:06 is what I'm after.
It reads 10:57
